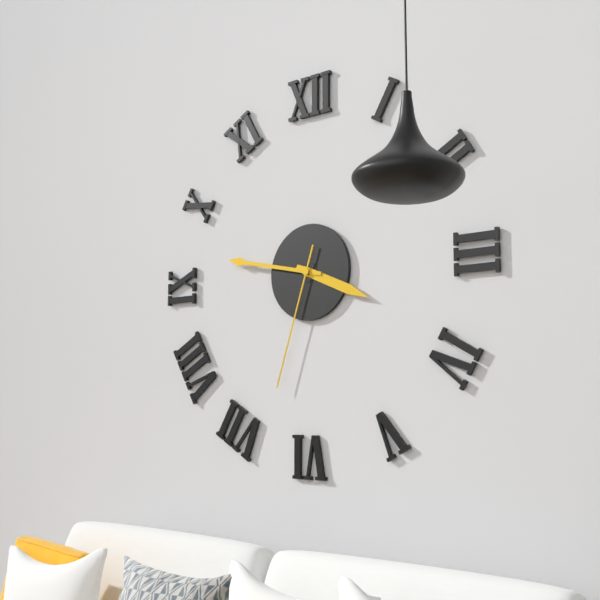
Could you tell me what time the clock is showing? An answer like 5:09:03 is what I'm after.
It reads 3:47:33
